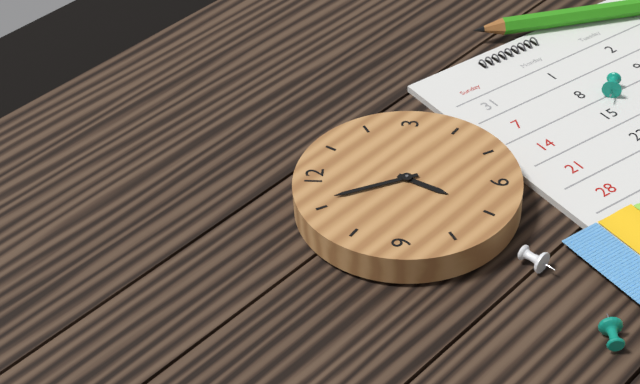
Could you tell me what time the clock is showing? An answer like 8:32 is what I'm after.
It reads 6:56
